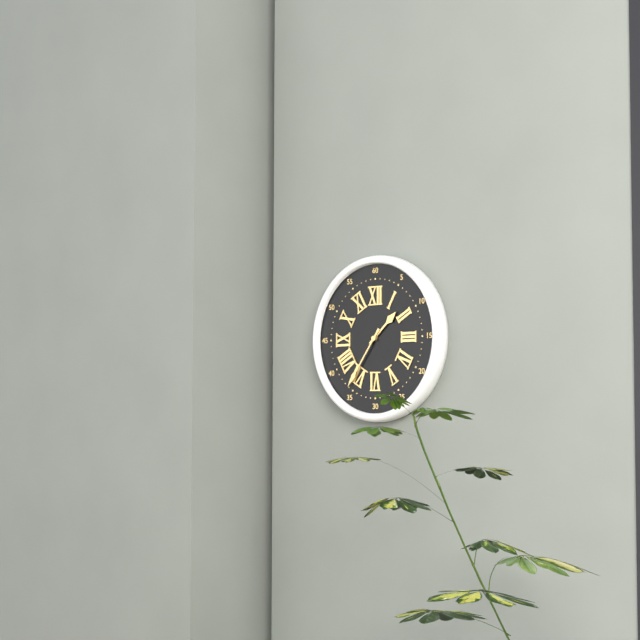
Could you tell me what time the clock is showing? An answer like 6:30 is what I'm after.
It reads 1:36
